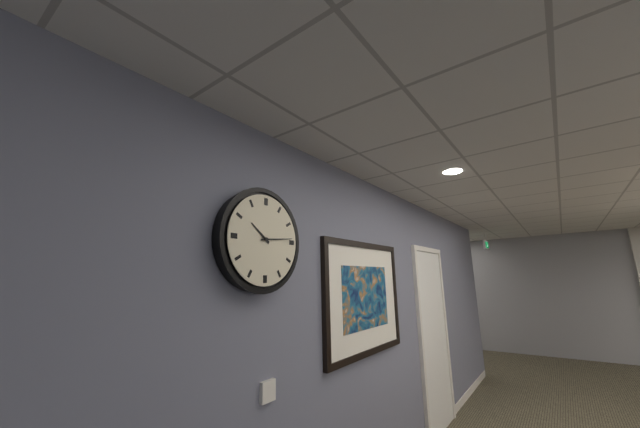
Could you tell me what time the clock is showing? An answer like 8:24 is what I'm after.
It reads 10:14
